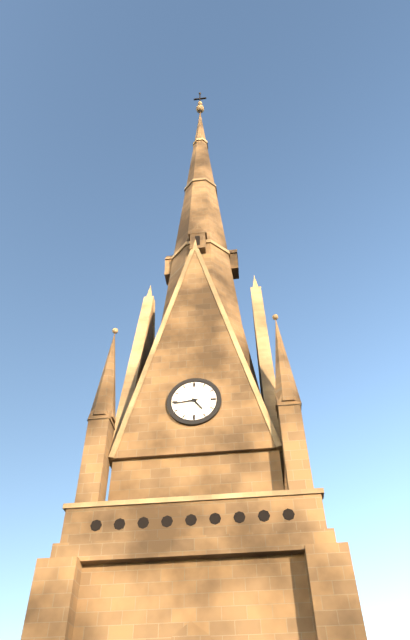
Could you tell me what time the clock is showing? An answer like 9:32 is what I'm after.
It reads 4:44
